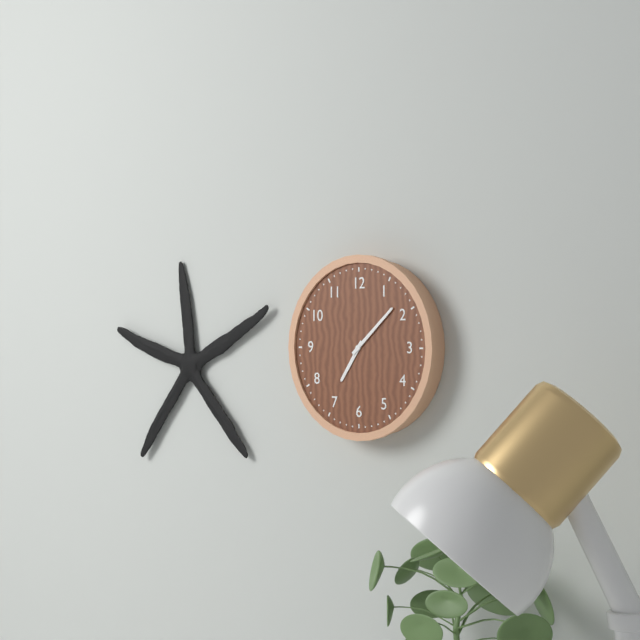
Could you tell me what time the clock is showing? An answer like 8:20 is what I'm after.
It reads 7:08
